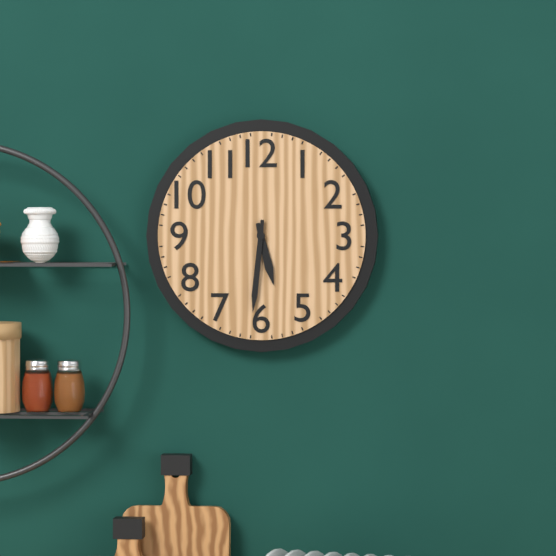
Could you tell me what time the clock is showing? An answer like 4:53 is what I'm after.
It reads 5:31
